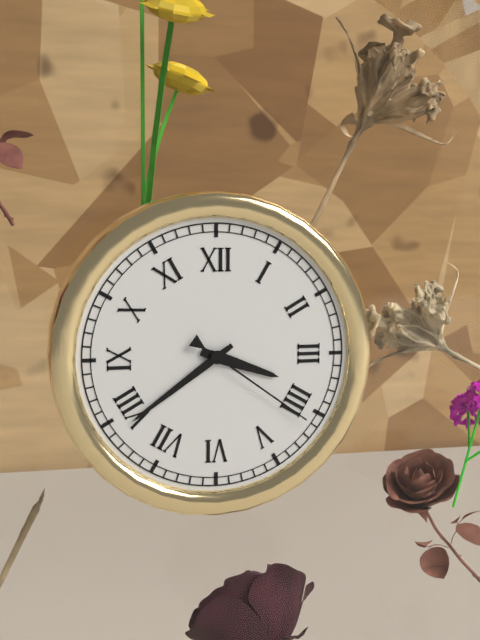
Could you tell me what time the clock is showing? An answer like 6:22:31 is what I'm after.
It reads 3:39:21
